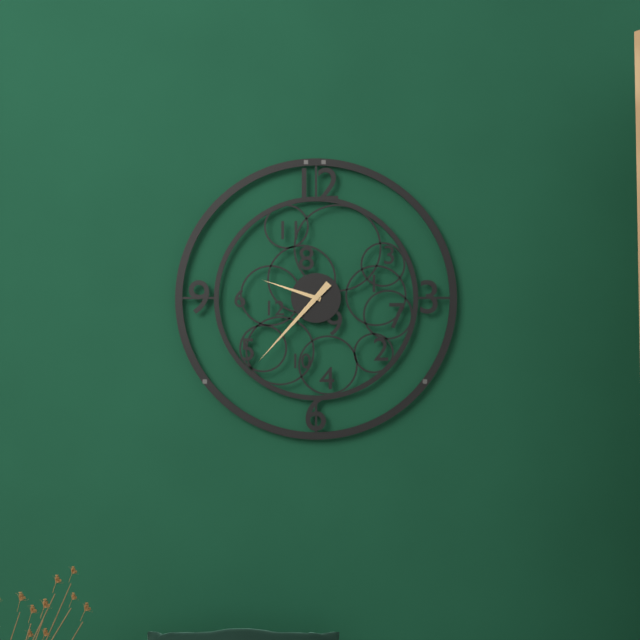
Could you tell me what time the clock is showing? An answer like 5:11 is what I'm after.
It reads 9:37
